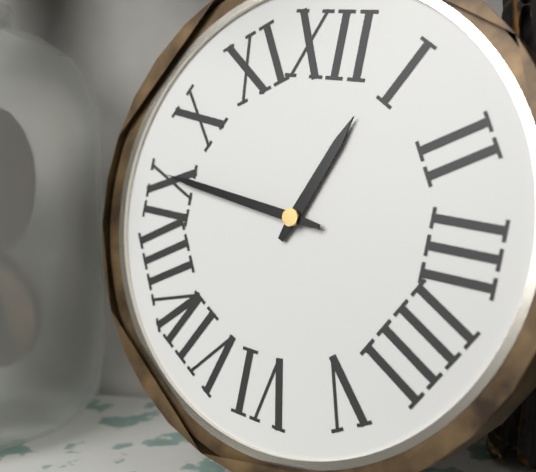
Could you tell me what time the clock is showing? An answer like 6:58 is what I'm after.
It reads 12:46
